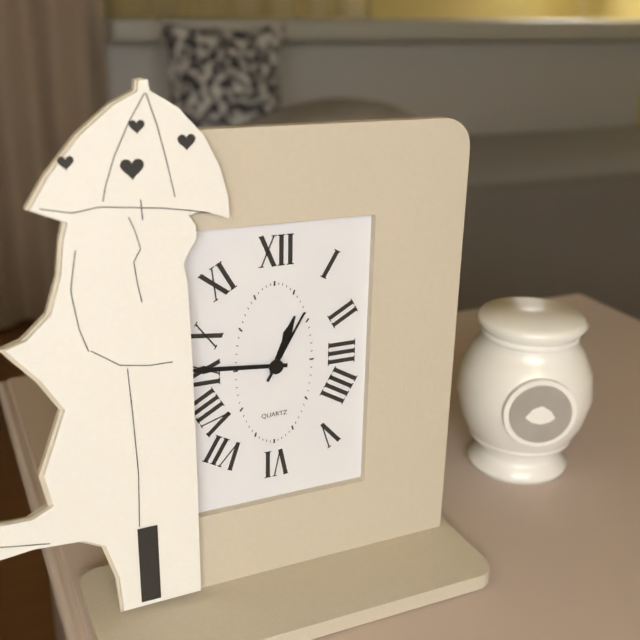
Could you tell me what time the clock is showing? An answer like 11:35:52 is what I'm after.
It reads 12:46:05
